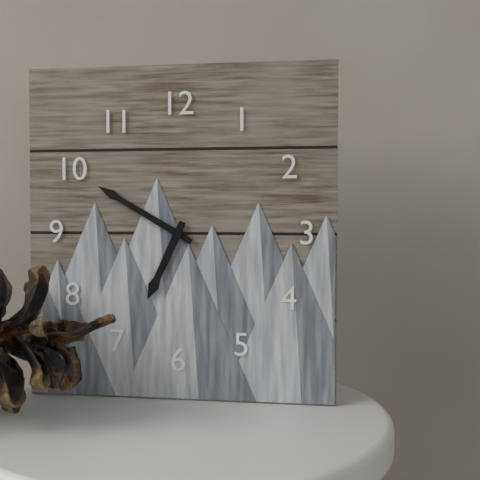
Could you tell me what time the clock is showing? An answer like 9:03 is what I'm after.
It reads 6:50
